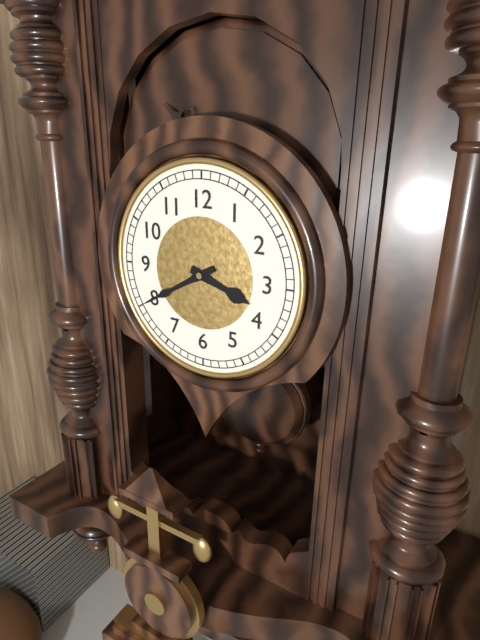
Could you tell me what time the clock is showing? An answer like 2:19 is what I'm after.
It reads 3:40
